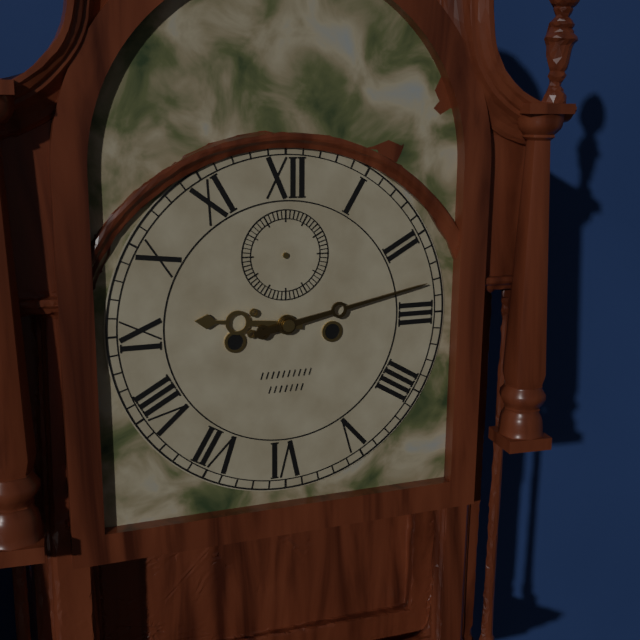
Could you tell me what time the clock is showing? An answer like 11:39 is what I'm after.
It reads 9:13
